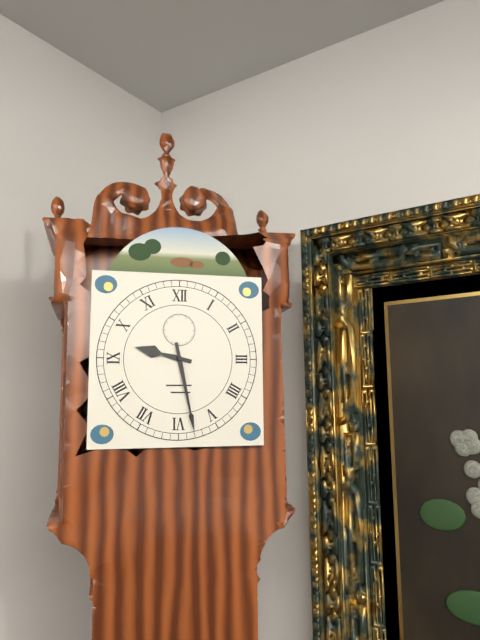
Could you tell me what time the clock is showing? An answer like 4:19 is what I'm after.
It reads 9:28
